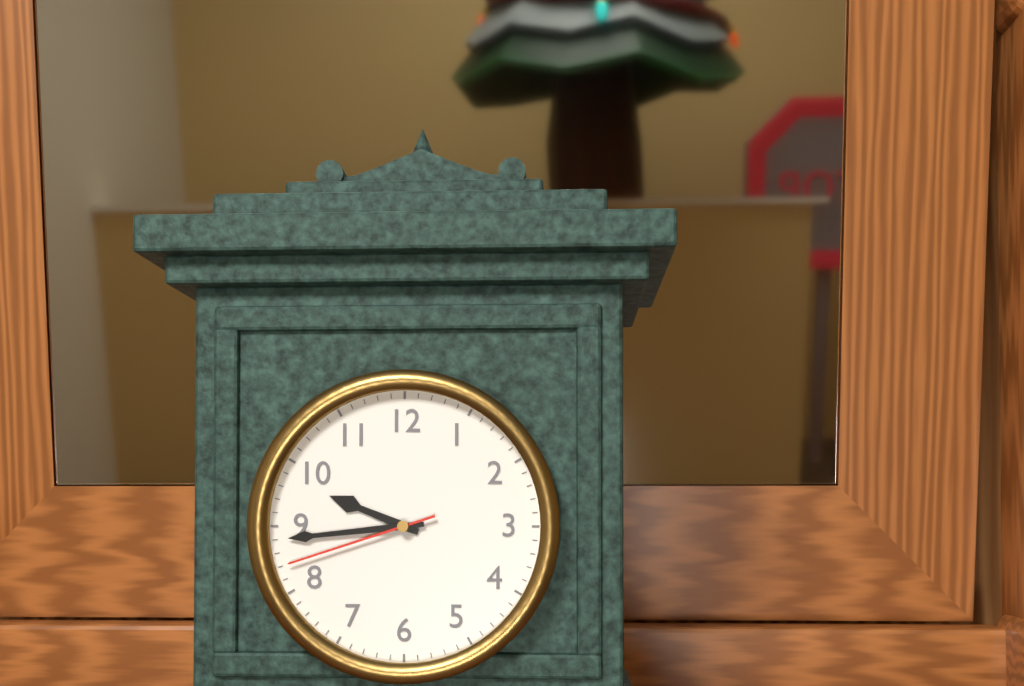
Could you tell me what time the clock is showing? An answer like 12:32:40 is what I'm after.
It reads 9:44:42
